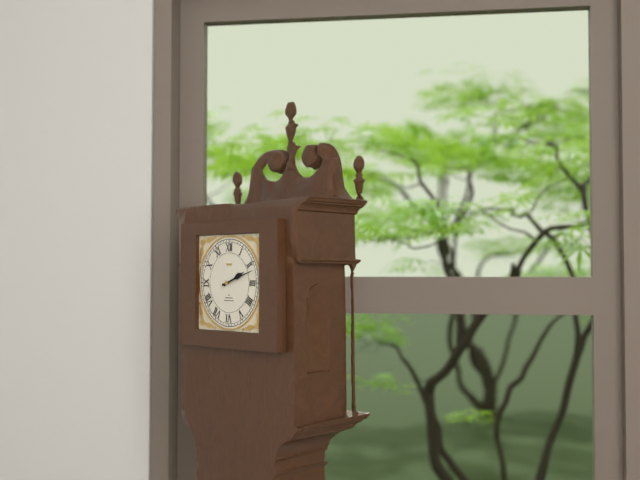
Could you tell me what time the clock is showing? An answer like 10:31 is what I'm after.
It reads 2:12
